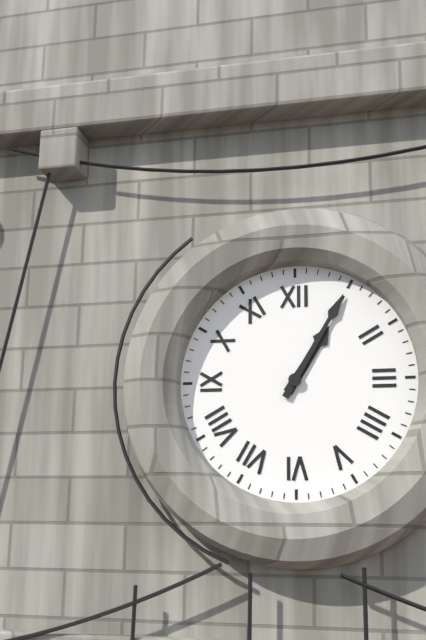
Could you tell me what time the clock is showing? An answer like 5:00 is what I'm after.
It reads 1:05
